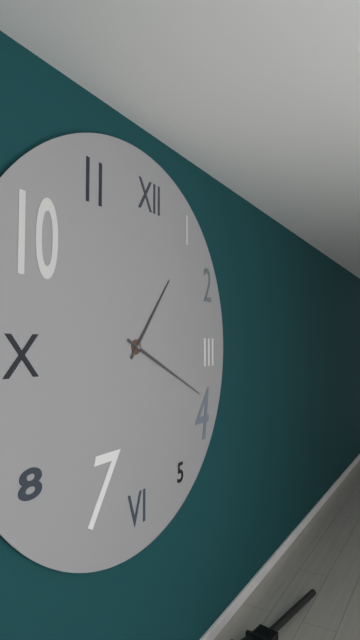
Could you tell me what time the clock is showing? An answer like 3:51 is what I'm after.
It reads 1:19
